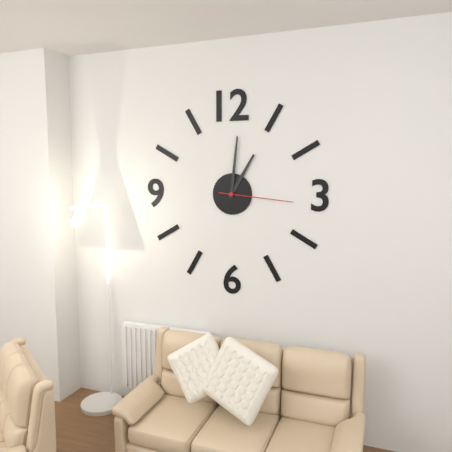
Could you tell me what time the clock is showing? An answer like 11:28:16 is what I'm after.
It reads 1:01:16
